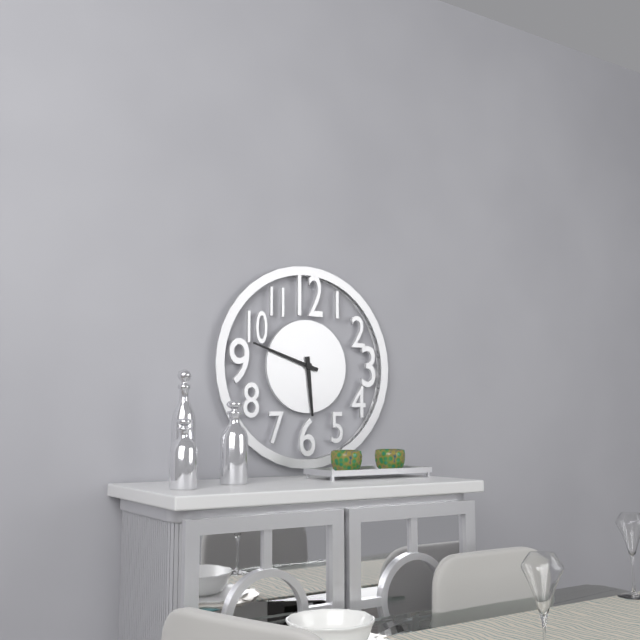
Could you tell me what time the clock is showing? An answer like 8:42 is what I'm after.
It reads 5:48
